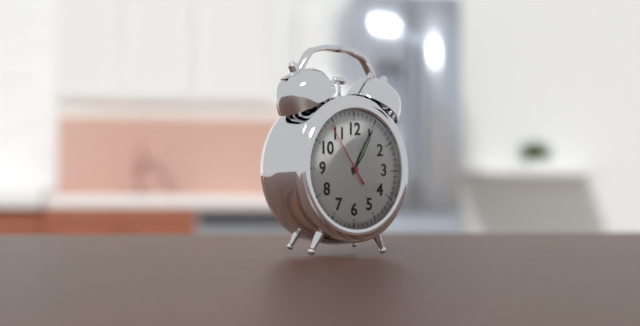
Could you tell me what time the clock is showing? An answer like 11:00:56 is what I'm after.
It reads 1:05:54
